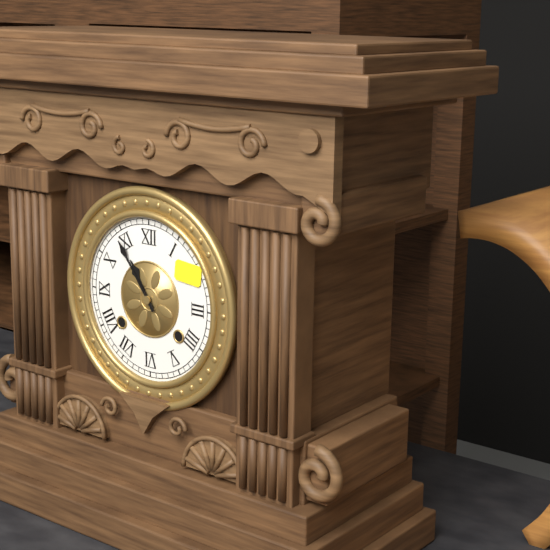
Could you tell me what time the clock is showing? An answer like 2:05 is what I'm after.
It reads 10:54
